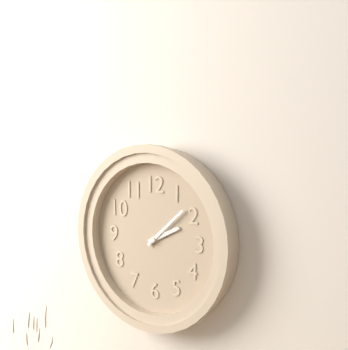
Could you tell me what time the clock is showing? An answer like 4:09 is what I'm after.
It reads 2:08
